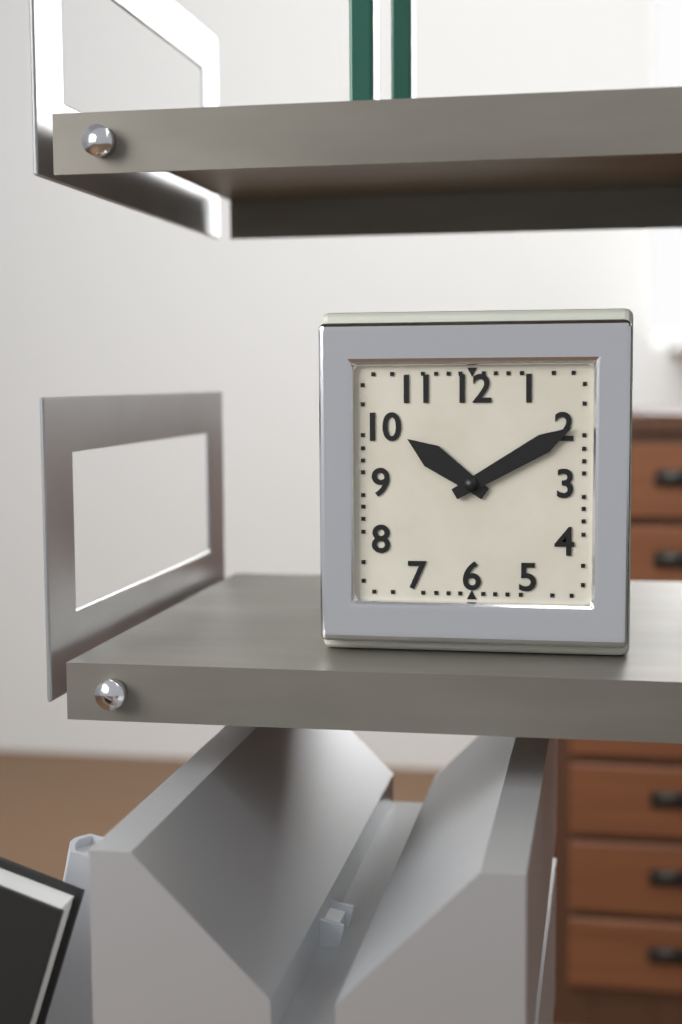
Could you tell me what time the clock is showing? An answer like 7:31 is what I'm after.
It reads 10:10
